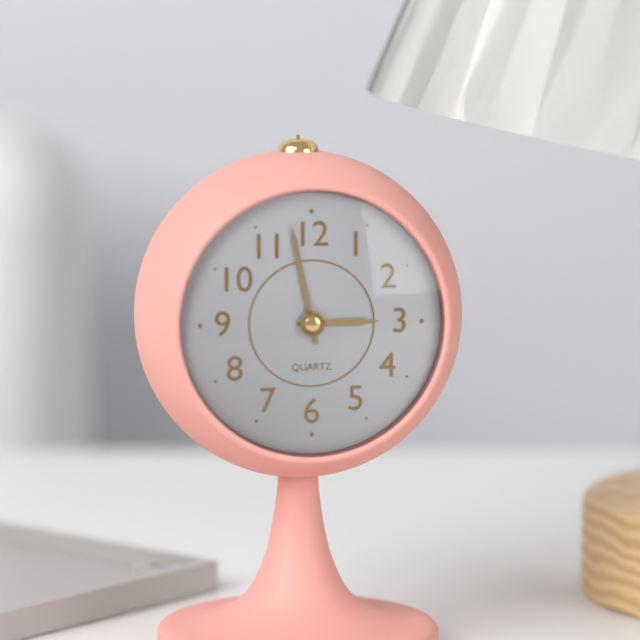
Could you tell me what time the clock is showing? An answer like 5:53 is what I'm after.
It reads 2:58
